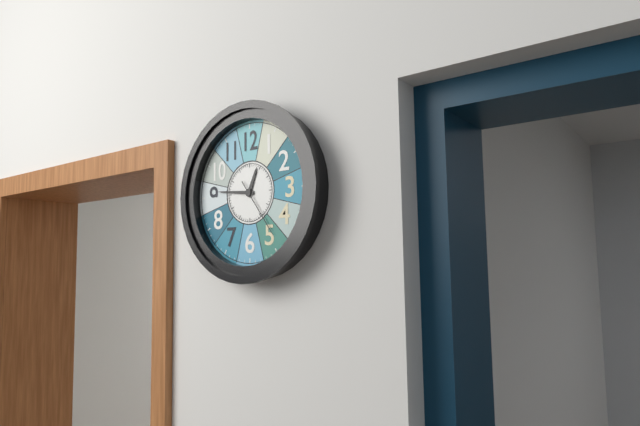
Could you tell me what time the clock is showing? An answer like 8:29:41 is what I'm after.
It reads 12:46:24
